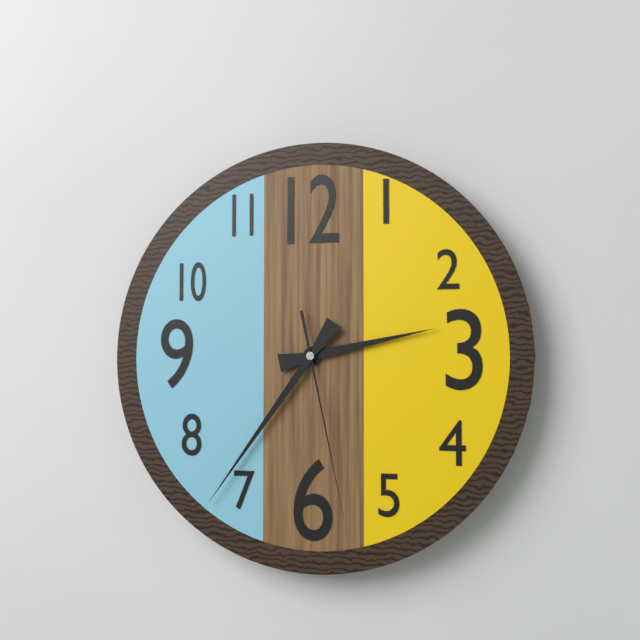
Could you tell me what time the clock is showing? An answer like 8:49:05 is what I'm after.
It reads 2:36:28
